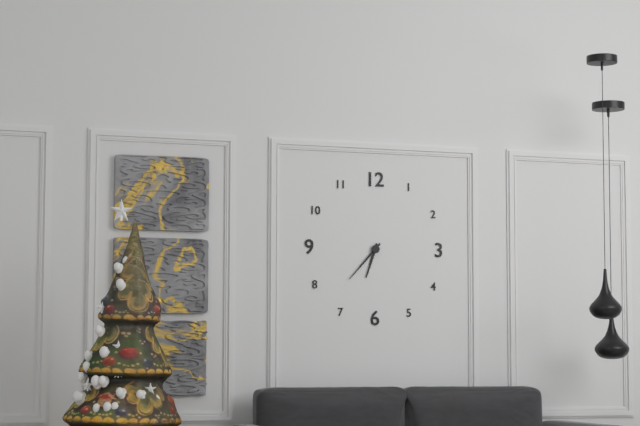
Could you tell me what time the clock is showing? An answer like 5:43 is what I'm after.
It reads 6:37
